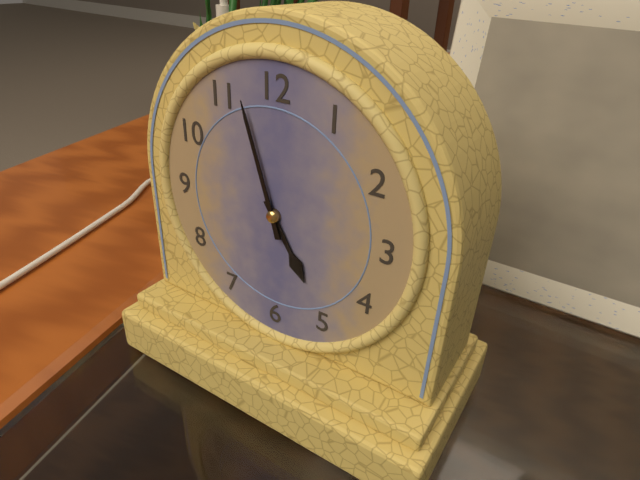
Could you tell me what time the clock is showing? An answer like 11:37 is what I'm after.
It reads 4:57
